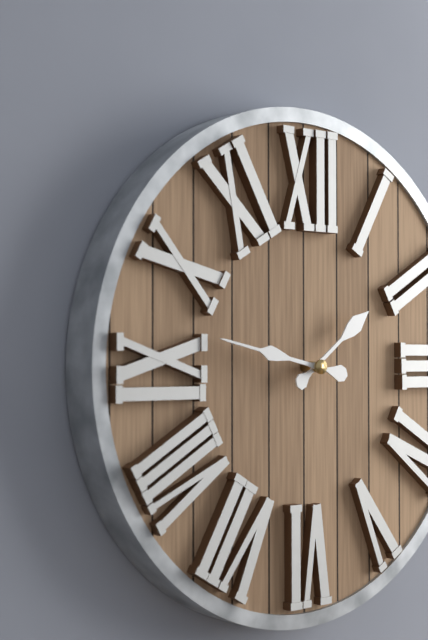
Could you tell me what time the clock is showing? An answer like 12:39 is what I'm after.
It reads 1:47
